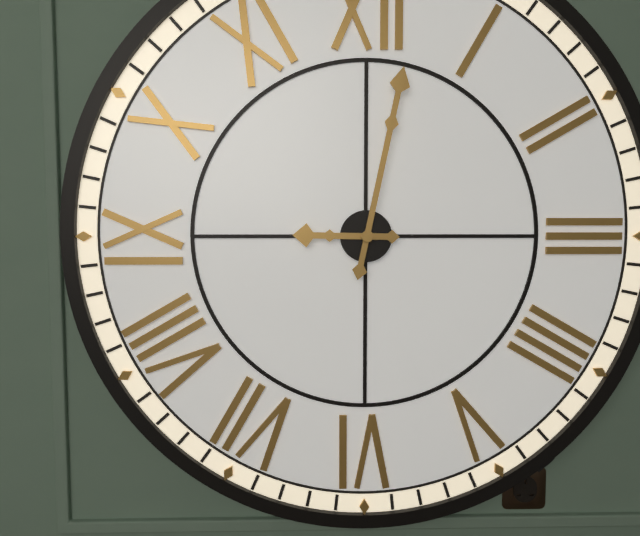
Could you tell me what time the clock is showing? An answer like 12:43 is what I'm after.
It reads 9:02
